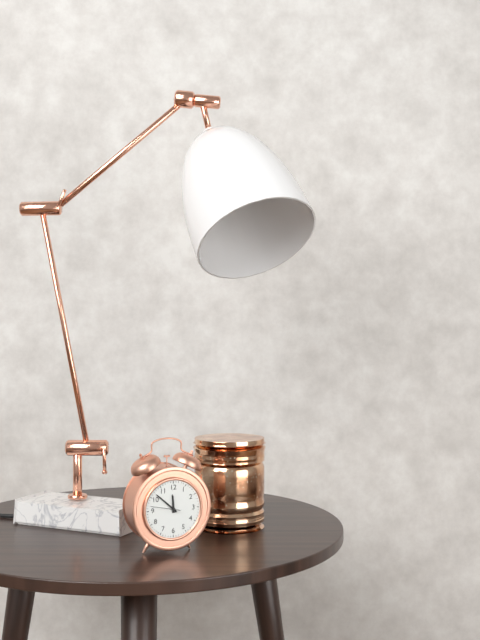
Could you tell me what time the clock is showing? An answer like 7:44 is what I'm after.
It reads 11:52
